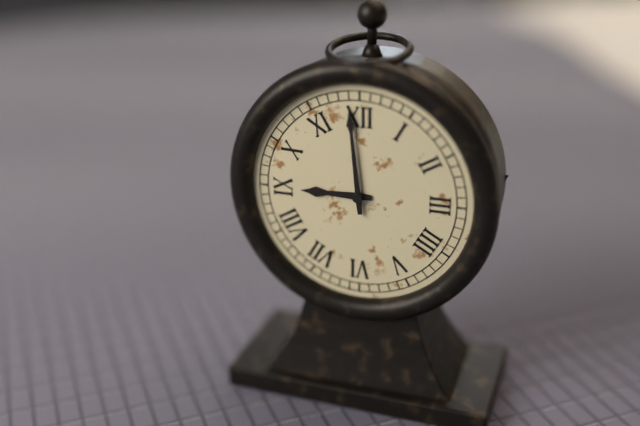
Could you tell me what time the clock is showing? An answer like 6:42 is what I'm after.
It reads 8:59
